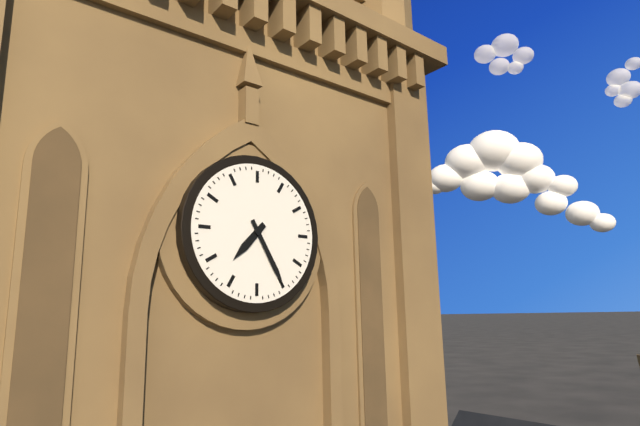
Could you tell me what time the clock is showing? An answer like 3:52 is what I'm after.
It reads 7:25
